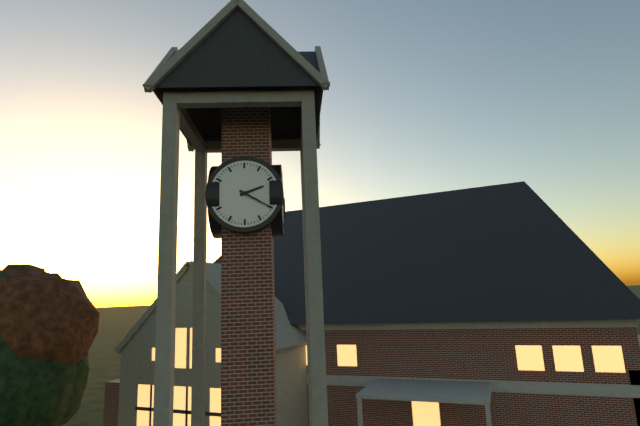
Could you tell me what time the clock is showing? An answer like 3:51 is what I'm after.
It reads 2:20
